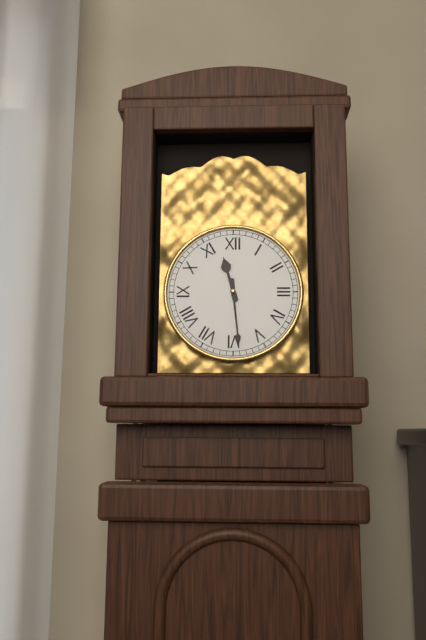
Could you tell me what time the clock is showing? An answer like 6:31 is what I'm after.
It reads 11:29
